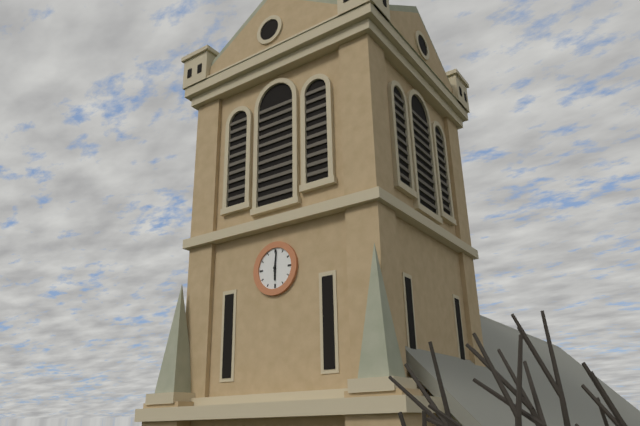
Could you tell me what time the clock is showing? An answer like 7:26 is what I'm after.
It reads 6:01
